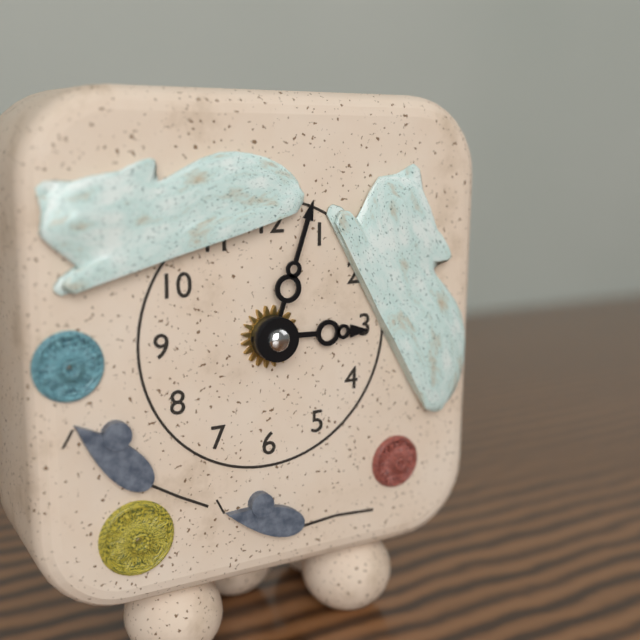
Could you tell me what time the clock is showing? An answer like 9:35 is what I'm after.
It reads 3:03
